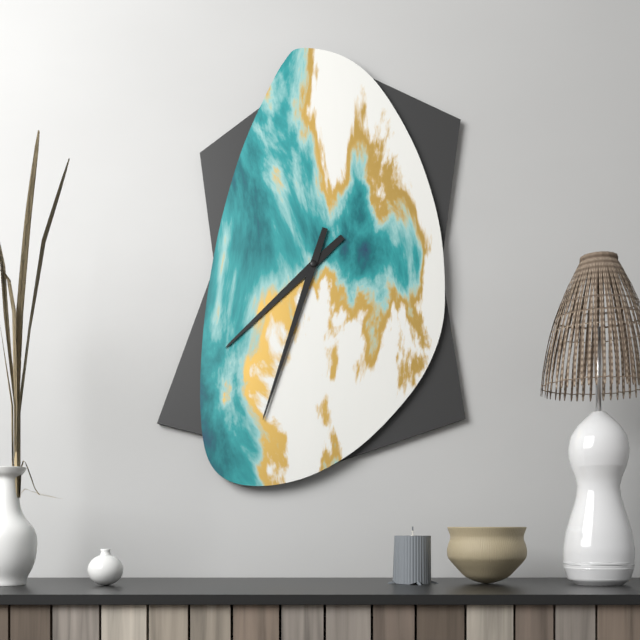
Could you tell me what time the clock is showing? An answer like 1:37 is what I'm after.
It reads 7:33
